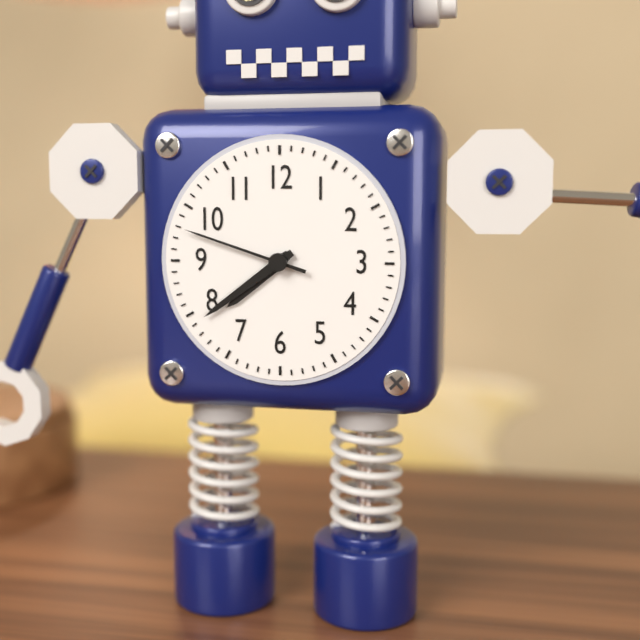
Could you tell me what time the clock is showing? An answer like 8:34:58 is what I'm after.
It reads 7:39:48
